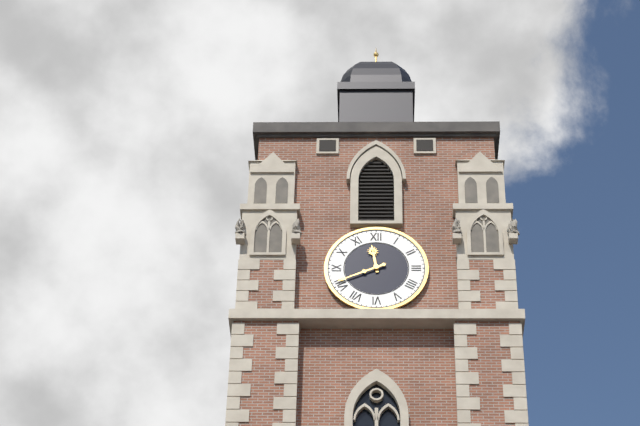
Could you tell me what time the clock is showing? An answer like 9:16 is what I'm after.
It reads 11:41
